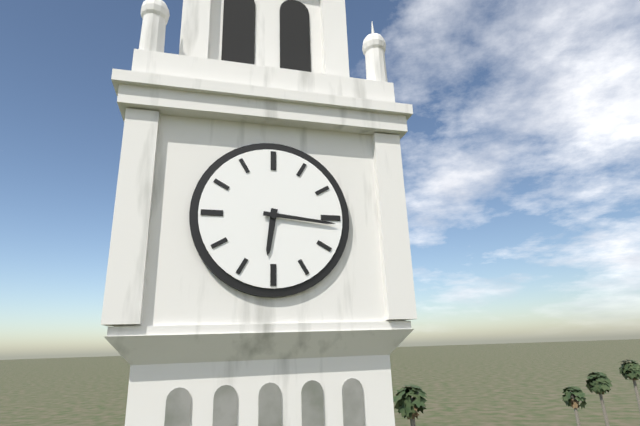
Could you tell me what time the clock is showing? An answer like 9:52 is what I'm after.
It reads 6:16
